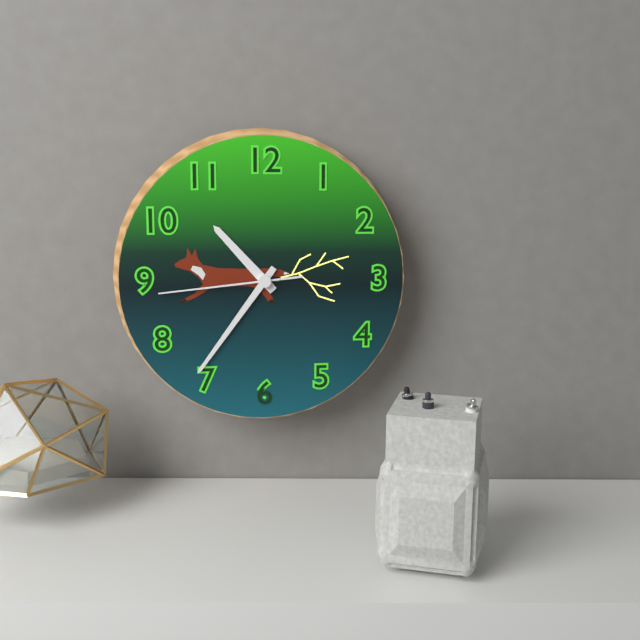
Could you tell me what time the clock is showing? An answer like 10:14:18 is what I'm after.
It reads 10:36:44
